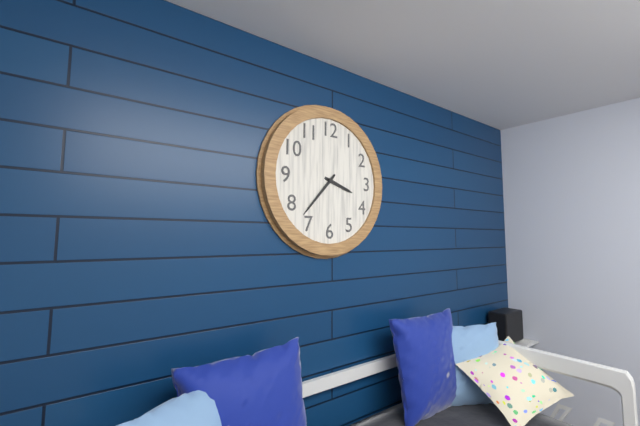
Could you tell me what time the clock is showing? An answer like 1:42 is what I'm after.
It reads 3:37
